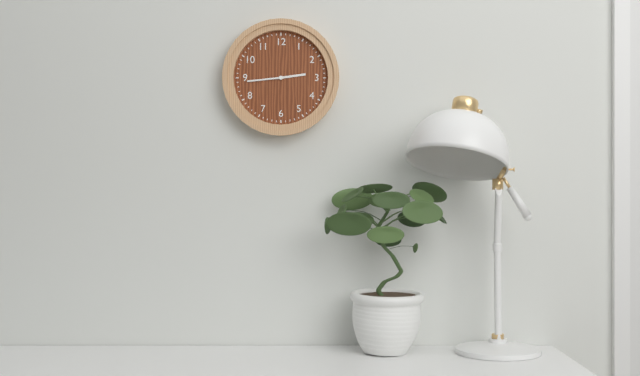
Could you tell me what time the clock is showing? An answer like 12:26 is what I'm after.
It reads 2:44
